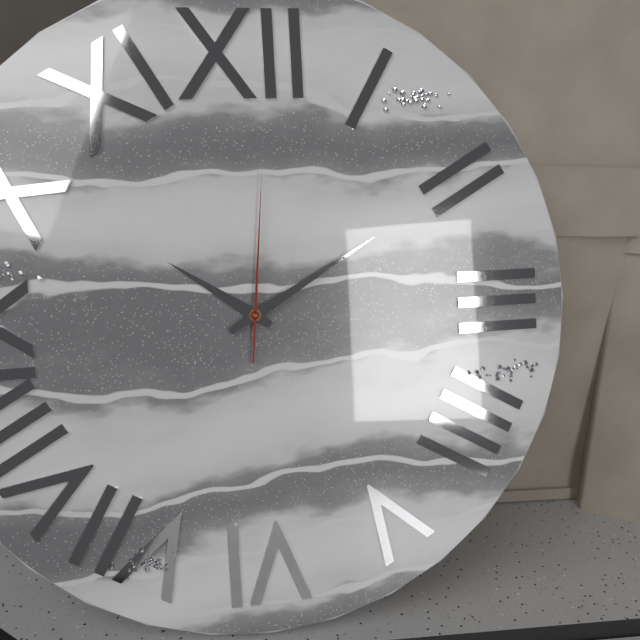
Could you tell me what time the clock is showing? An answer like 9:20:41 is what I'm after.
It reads 10:10:01
